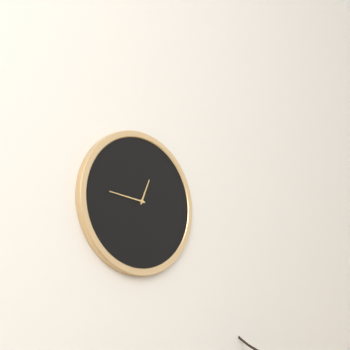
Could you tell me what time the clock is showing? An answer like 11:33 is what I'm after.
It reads 12:46
